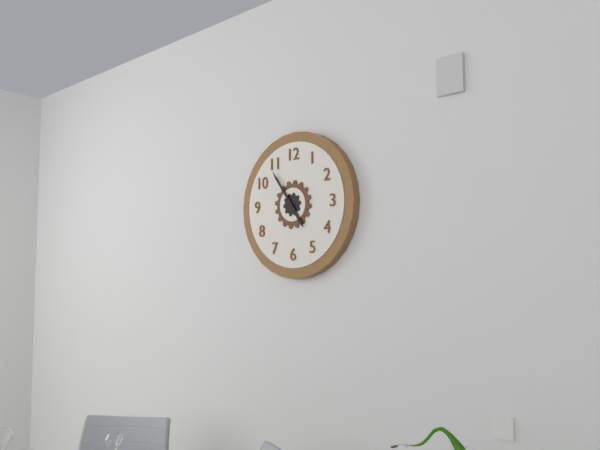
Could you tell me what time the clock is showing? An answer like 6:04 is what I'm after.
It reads 4:54
